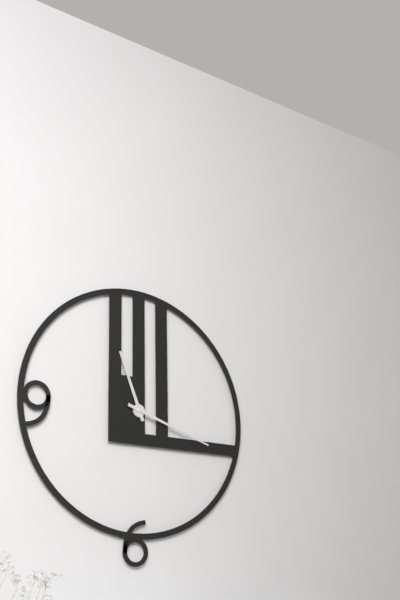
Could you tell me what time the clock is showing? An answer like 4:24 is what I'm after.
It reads 11:18
